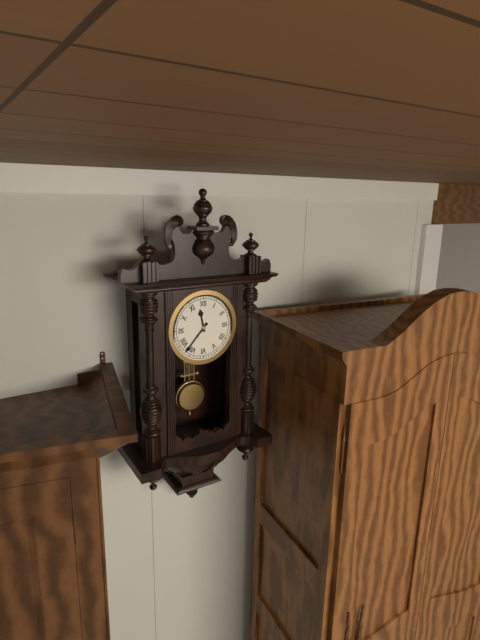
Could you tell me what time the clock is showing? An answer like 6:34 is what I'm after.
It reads 11:37
